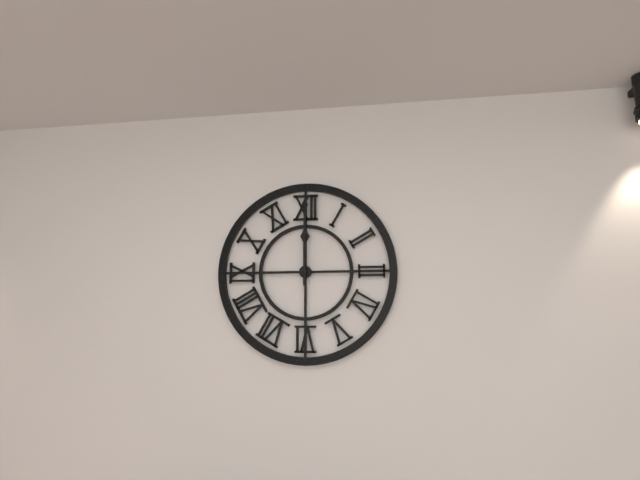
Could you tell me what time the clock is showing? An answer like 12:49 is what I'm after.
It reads 12:00
